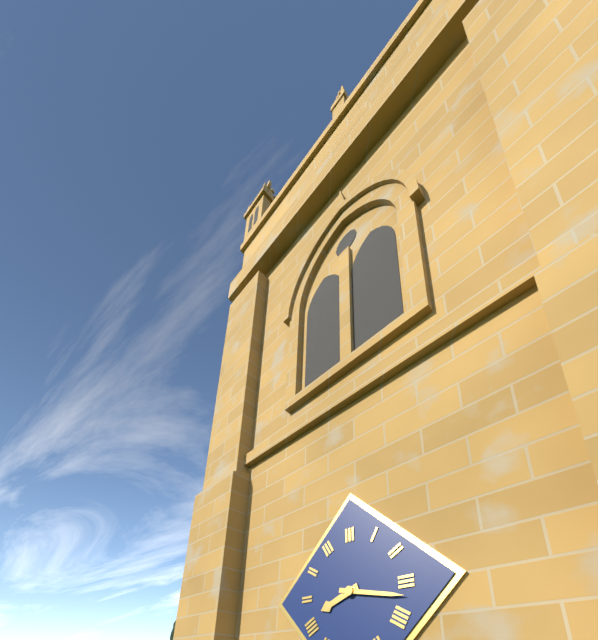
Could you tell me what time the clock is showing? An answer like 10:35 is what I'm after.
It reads 8:17
